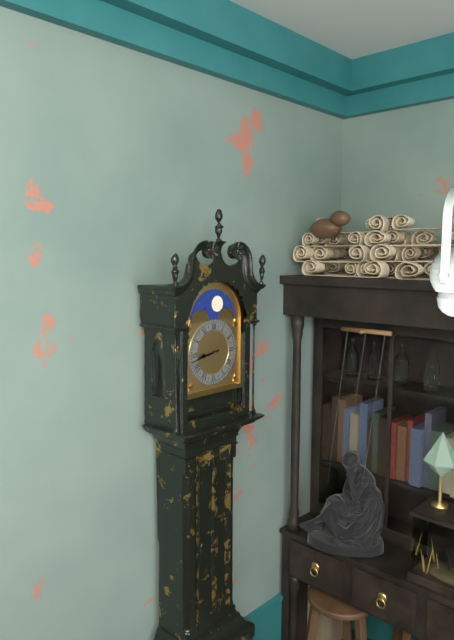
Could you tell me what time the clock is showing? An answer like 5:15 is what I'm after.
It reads 8:43
